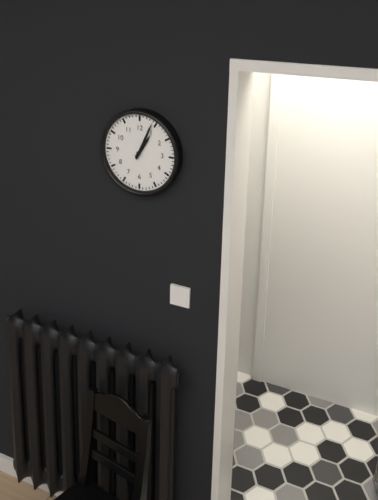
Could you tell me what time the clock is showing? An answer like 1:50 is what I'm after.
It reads 1:04
